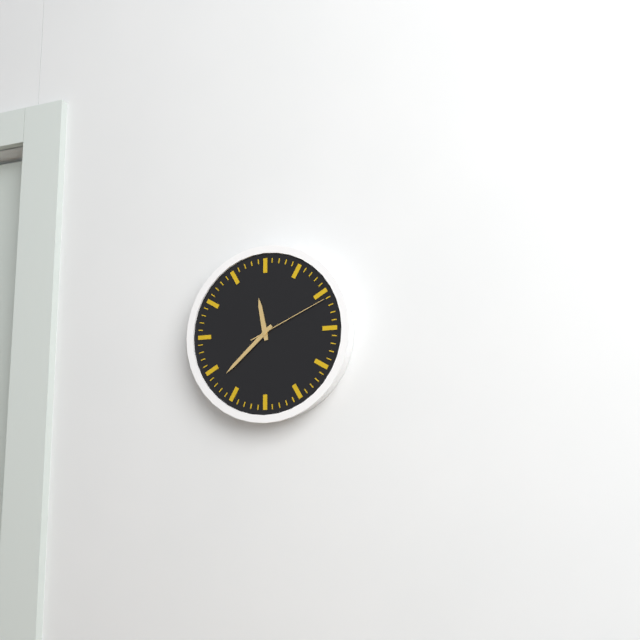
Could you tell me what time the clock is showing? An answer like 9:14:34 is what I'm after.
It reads 11:38:11
